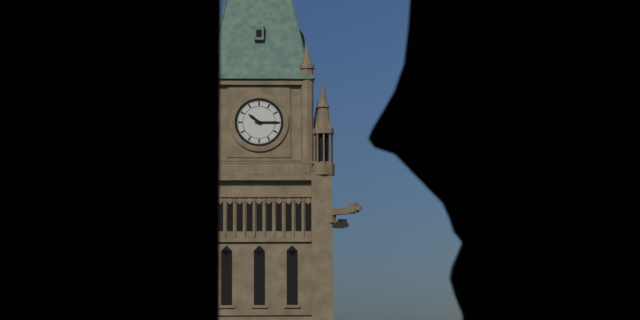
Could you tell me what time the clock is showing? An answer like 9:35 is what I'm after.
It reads 10:15
